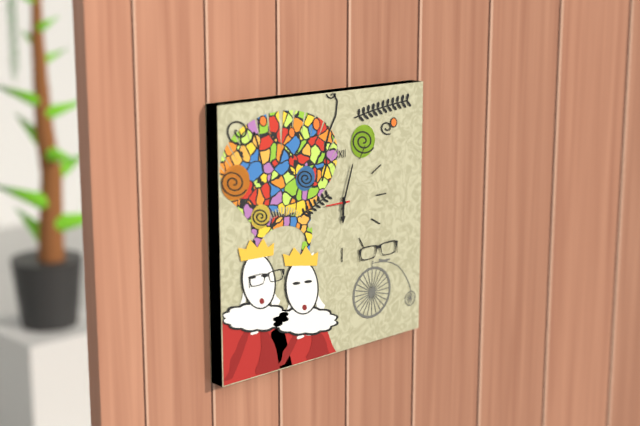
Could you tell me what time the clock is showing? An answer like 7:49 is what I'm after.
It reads 6:03
